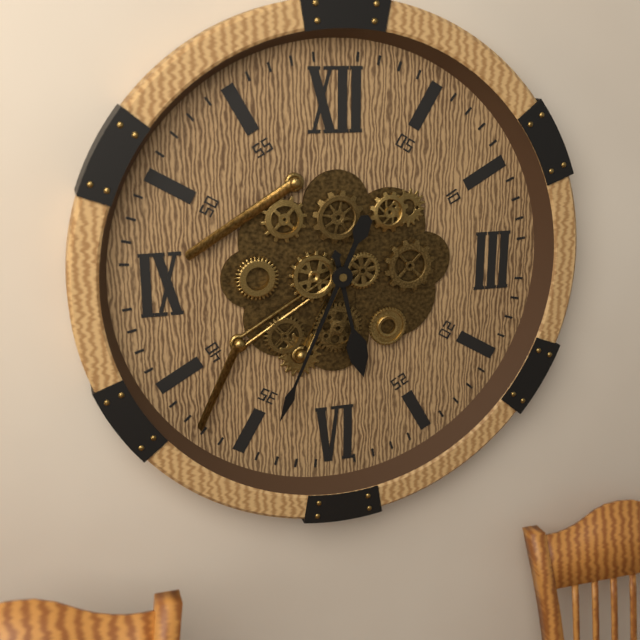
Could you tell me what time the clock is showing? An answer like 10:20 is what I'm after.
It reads 5:34
